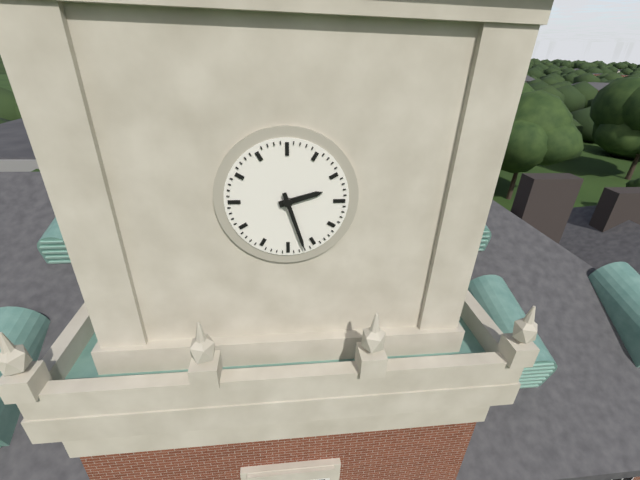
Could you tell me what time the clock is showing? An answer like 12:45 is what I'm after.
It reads 2:27
